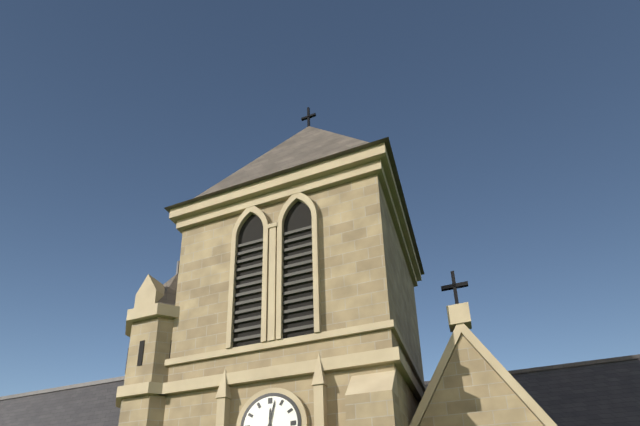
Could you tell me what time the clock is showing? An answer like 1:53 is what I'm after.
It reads 12:02
